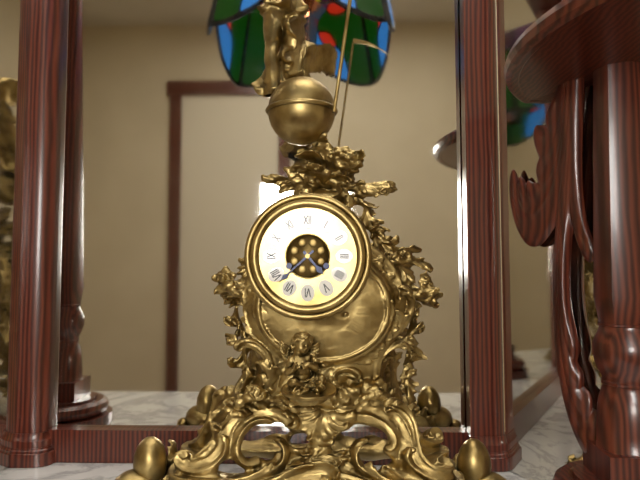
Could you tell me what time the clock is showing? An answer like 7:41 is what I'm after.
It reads 4:38
